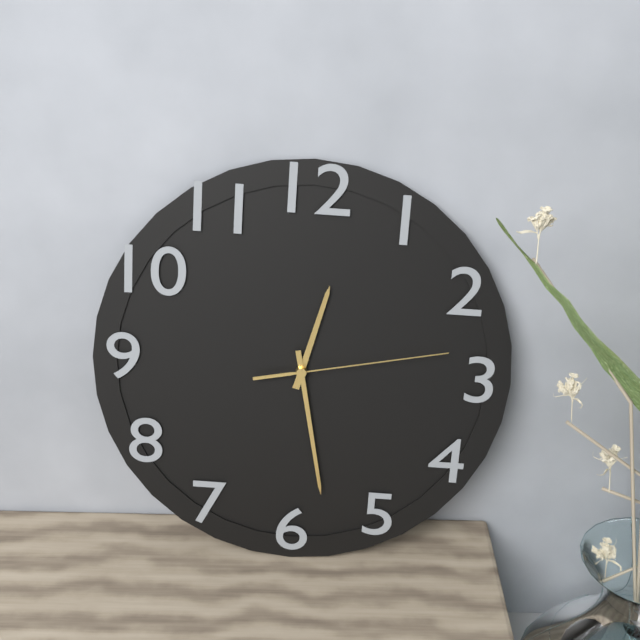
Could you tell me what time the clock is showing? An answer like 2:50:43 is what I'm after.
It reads 12:28:13
